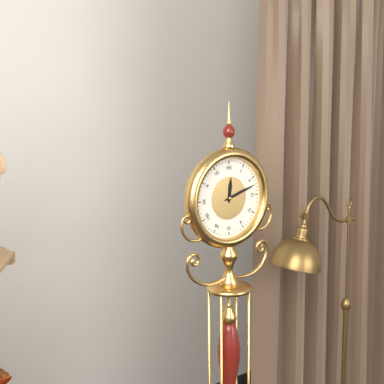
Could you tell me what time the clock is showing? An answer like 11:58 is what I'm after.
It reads 12:12
